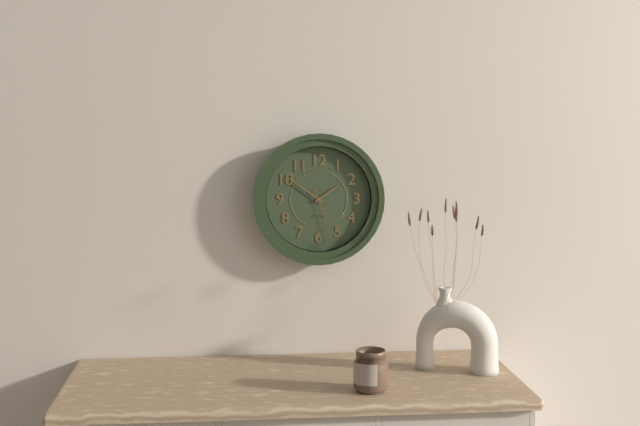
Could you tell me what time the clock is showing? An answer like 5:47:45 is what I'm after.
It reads 1:51:27
